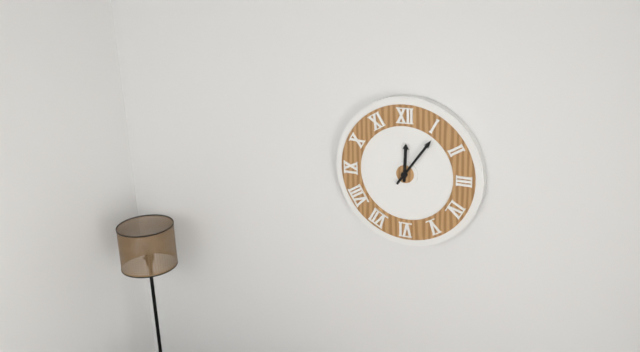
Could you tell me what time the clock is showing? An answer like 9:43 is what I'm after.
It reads 12:06
